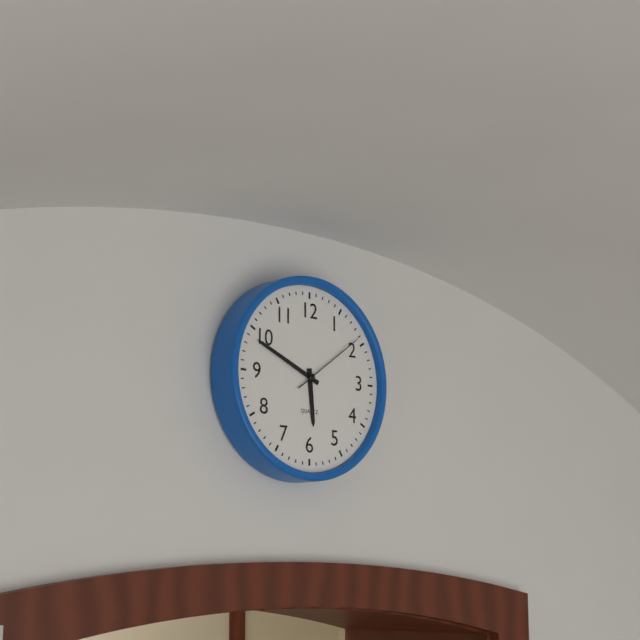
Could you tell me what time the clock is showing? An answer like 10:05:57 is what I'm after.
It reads 5:49:09
